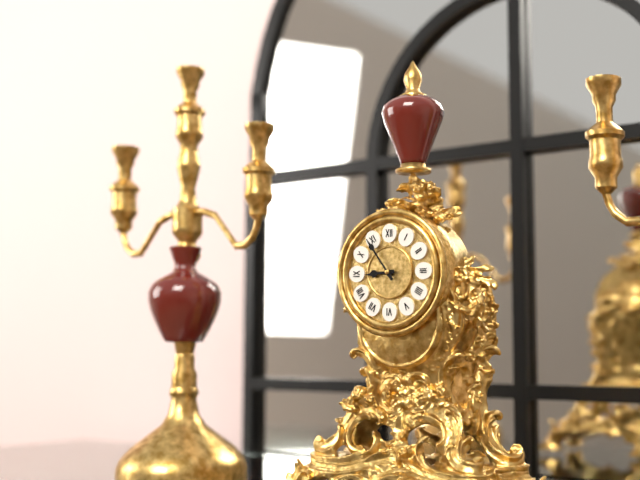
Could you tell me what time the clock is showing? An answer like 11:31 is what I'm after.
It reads 8:54
